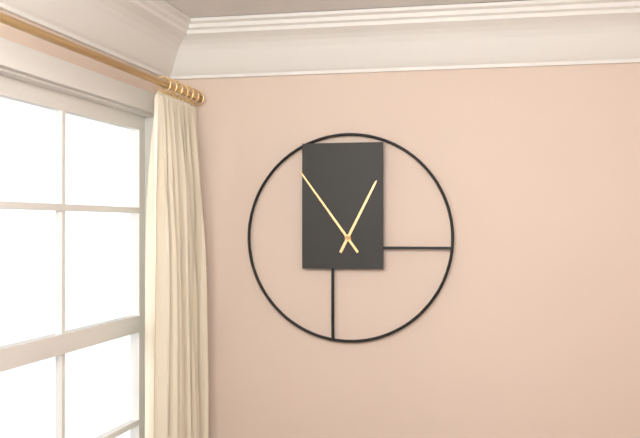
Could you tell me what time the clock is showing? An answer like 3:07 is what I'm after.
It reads 12:54
